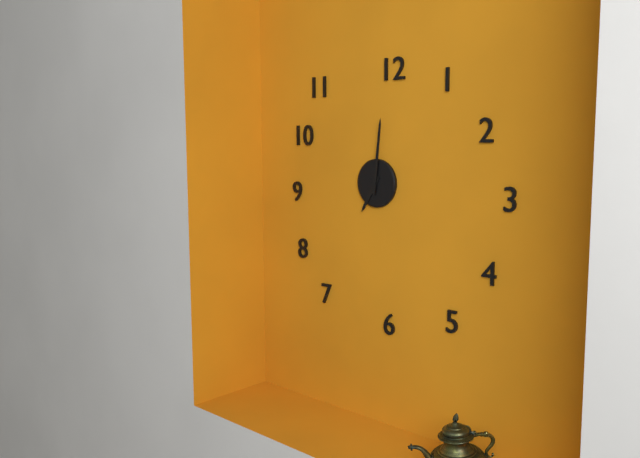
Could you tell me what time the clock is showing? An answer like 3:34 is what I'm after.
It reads 7:01
